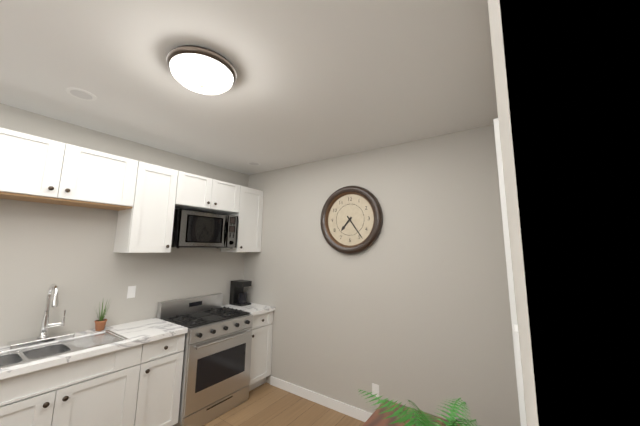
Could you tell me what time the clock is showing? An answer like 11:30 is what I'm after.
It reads 7:24
